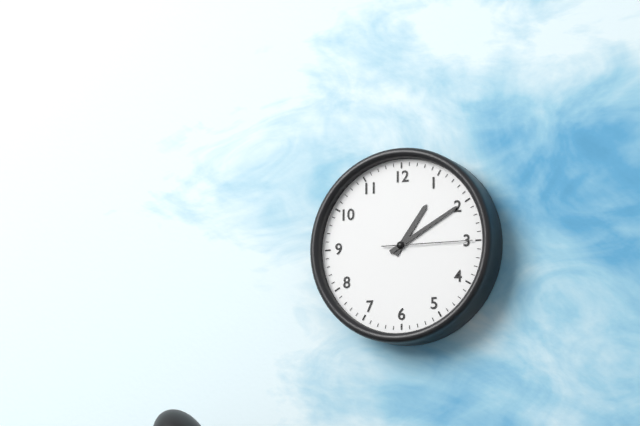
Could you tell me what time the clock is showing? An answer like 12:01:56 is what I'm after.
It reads 1:10:15
